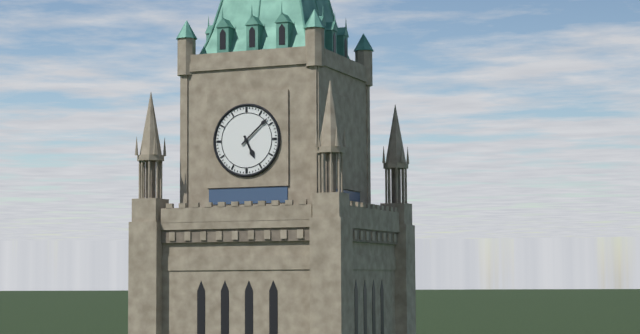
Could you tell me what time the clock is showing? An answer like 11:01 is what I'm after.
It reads 5:08
